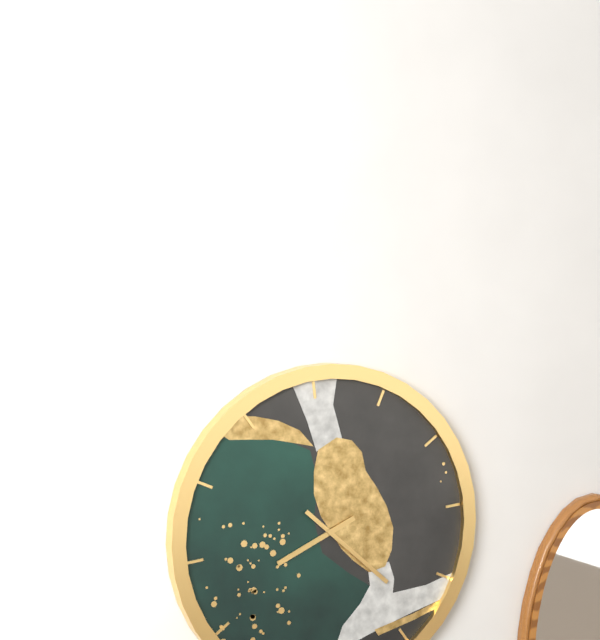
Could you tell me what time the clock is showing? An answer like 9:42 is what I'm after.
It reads 8:23
